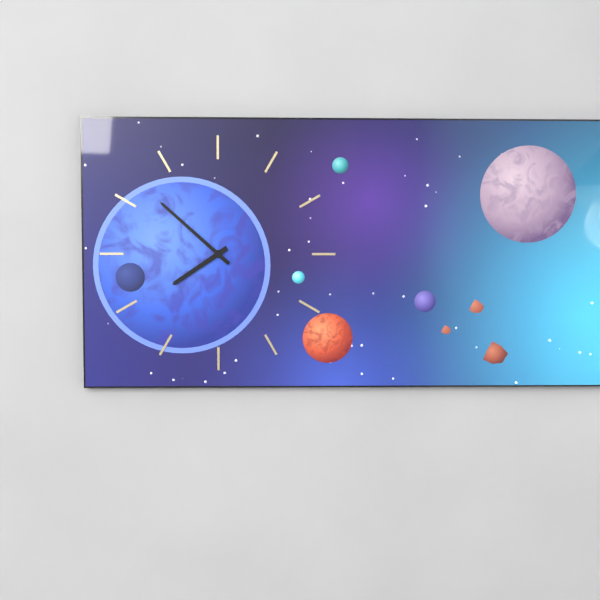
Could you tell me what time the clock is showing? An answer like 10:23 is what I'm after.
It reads 7:52
